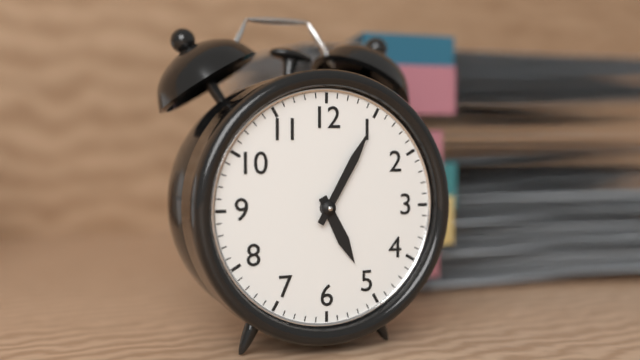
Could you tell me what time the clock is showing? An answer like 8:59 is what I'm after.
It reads 5:05
